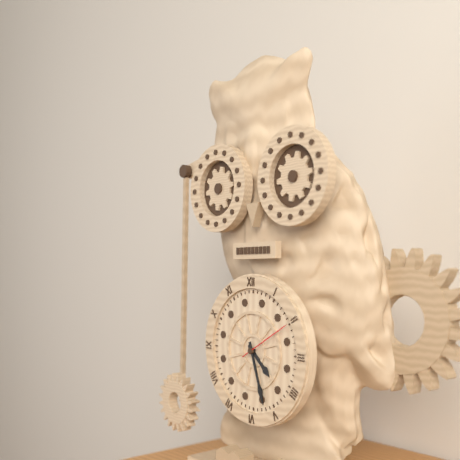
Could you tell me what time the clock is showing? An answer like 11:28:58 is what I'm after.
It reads 4:27:10
